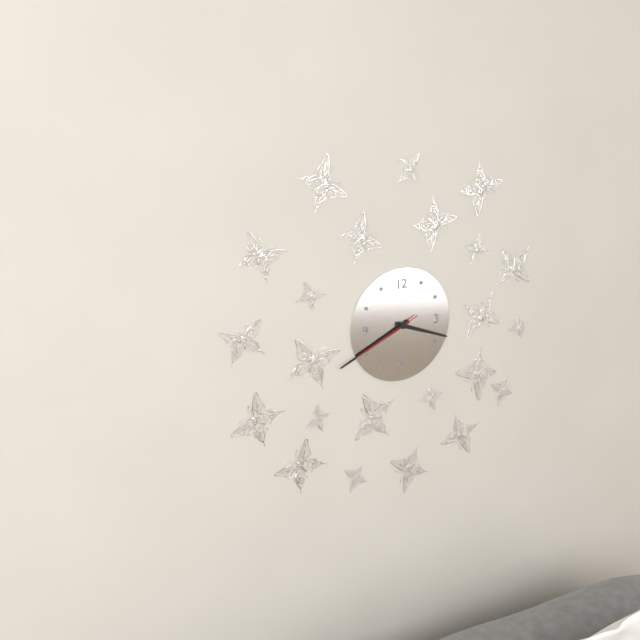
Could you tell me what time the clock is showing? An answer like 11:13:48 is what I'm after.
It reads 3:41:41
